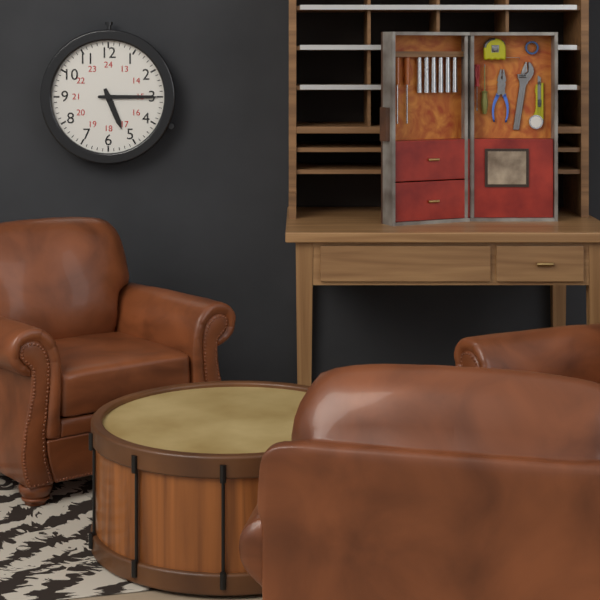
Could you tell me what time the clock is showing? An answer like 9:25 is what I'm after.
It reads 5:15
